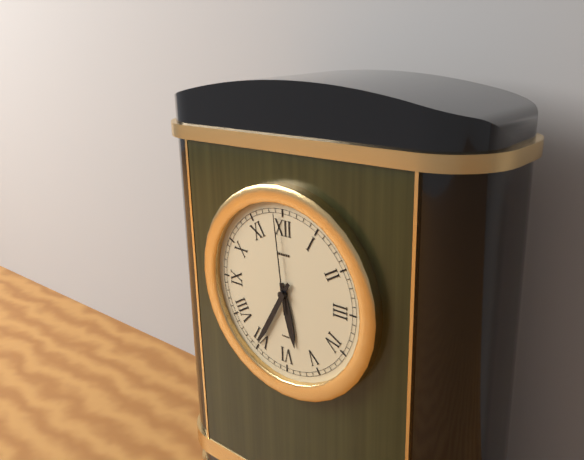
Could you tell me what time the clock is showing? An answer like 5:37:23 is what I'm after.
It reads 5:35:59
